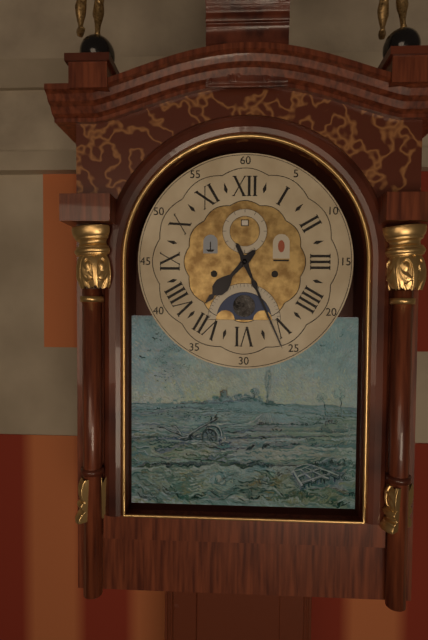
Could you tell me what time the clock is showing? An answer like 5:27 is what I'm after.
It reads 7:26
